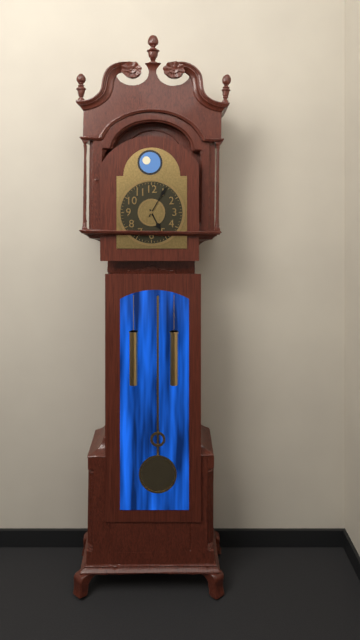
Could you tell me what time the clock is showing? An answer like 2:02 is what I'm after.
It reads 5:05
